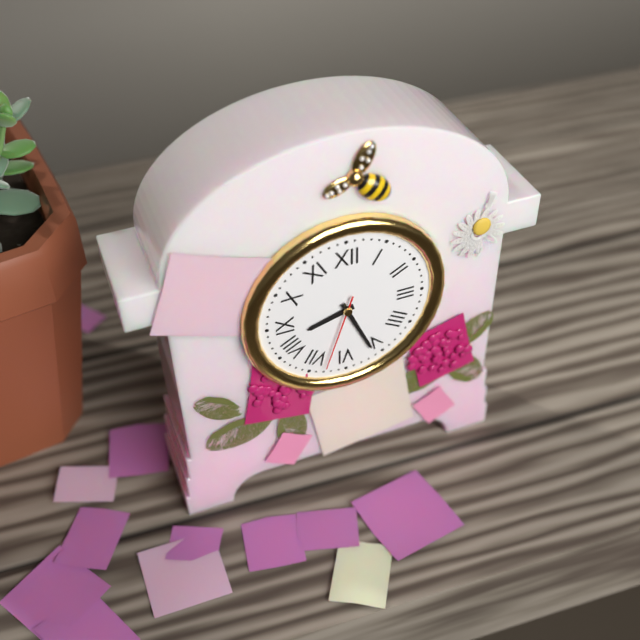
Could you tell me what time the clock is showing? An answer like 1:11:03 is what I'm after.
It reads 8:26:33
